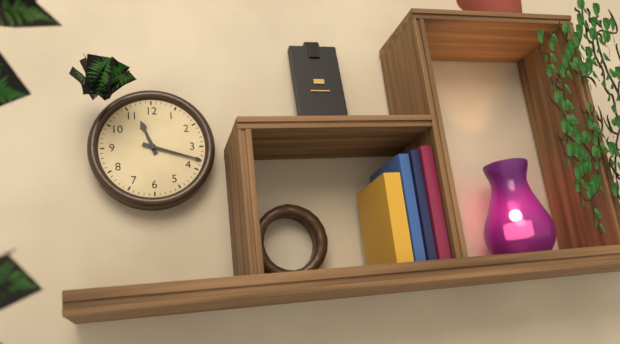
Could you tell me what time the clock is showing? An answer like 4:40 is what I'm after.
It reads 11:18
